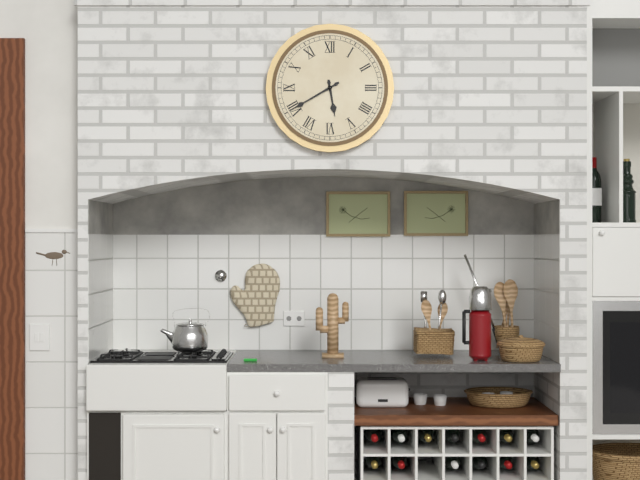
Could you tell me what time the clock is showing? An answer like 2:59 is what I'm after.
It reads 5:40
